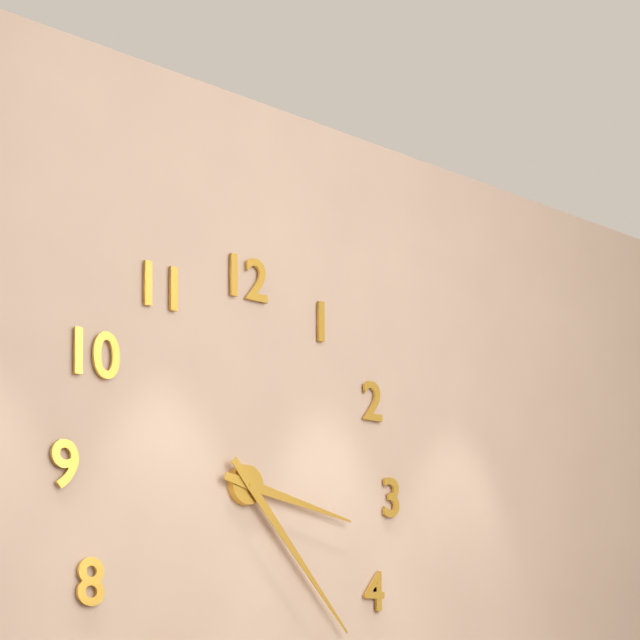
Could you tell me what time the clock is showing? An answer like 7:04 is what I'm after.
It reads 3:23
